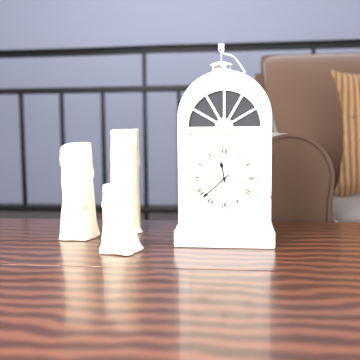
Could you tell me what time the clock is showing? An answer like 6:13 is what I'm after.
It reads 11:38
